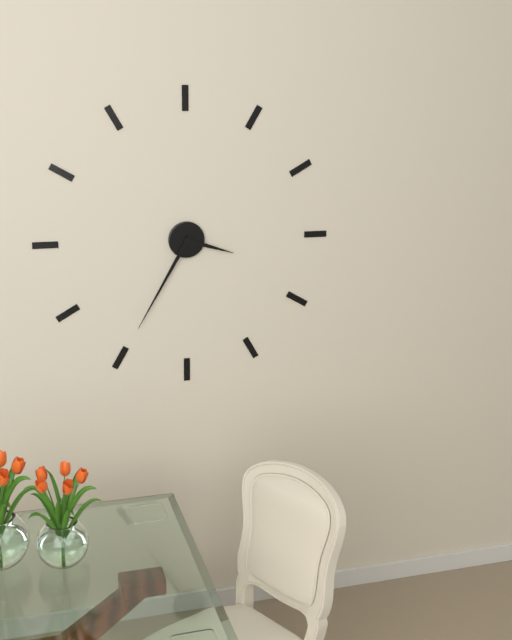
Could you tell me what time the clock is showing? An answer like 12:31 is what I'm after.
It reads 3:35
